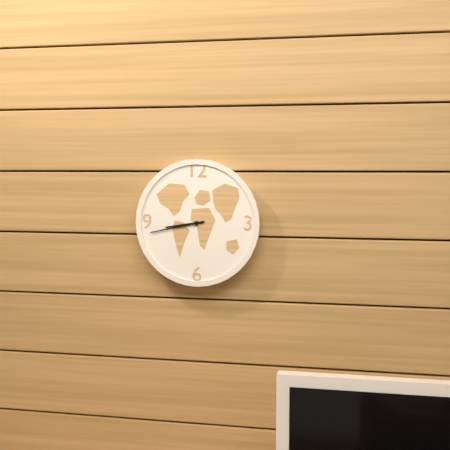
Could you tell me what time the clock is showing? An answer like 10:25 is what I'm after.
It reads 8:43
